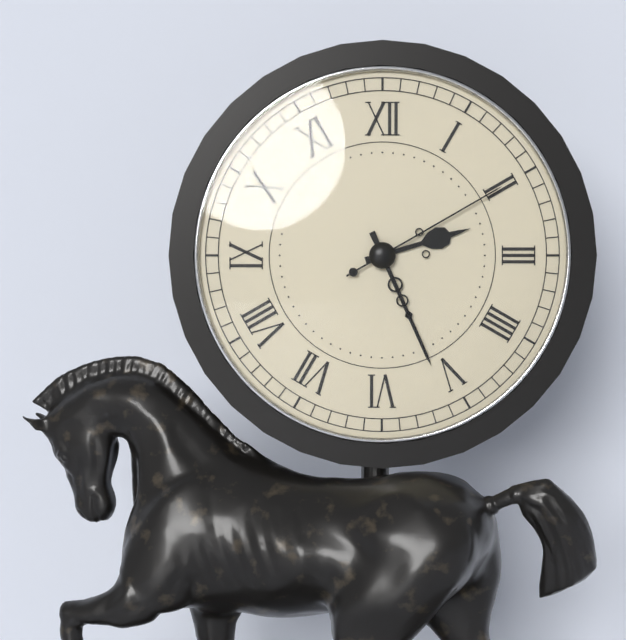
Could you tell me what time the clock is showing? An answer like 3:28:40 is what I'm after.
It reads 2:26:10
